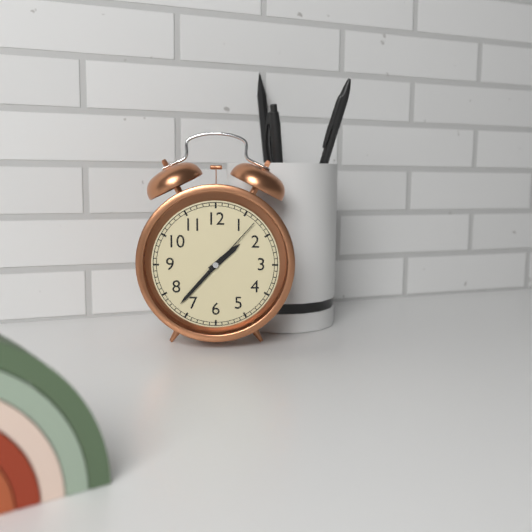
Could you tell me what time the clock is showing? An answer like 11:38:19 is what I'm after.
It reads 1:37:07
